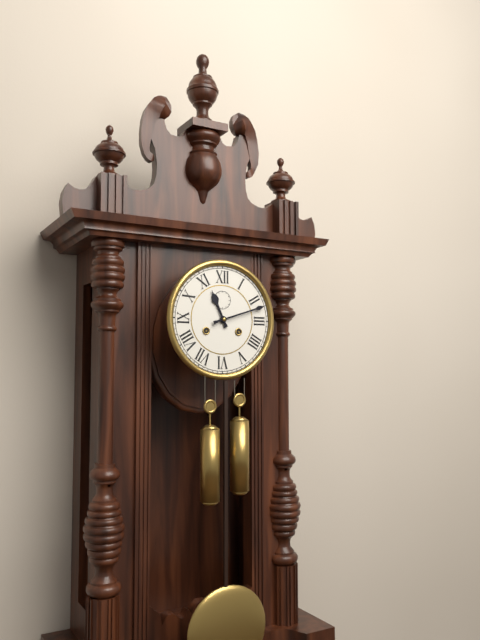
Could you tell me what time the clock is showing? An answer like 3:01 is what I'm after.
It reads 11:12
